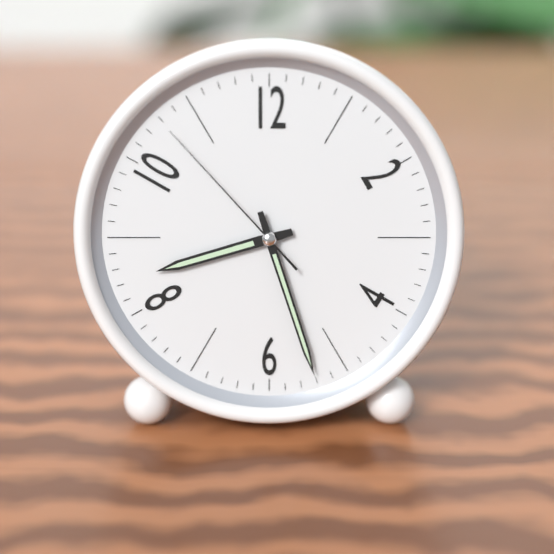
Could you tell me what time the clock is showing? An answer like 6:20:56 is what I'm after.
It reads 8:27:53
